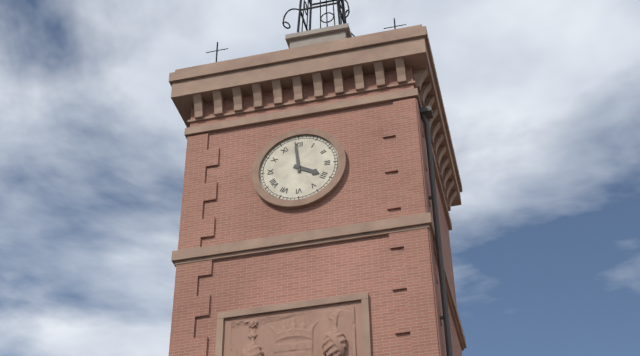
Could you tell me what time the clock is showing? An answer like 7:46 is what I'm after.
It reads 3:59
